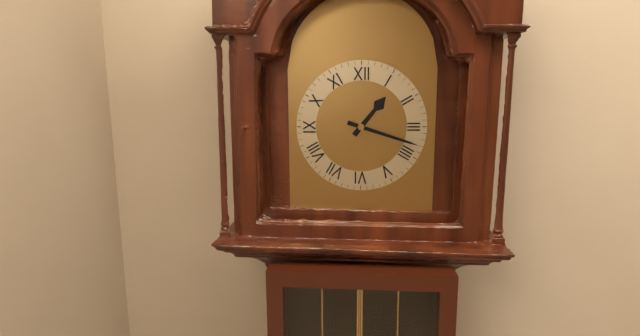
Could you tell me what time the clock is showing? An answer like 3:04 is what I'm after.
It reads 1:18
